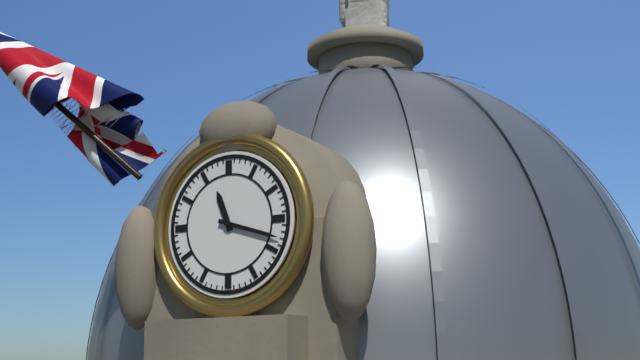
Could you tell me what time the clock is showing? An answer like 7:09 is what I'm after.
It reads 11:18
